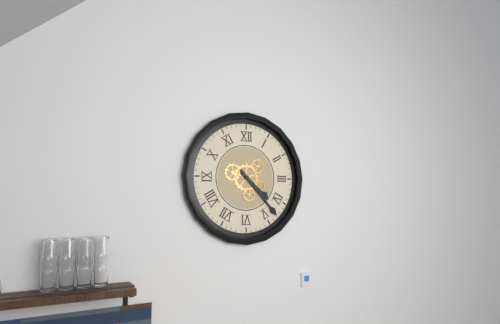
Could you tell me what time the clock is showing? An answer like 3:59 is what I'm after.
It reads 4:23
